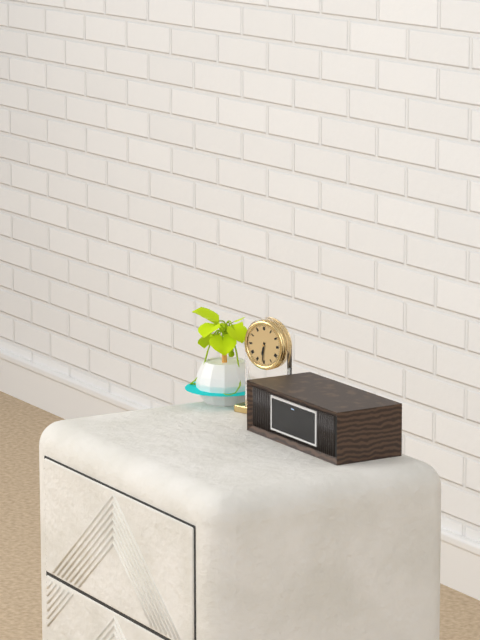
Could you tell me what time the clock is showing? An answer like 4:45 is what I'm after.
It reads 6:31
